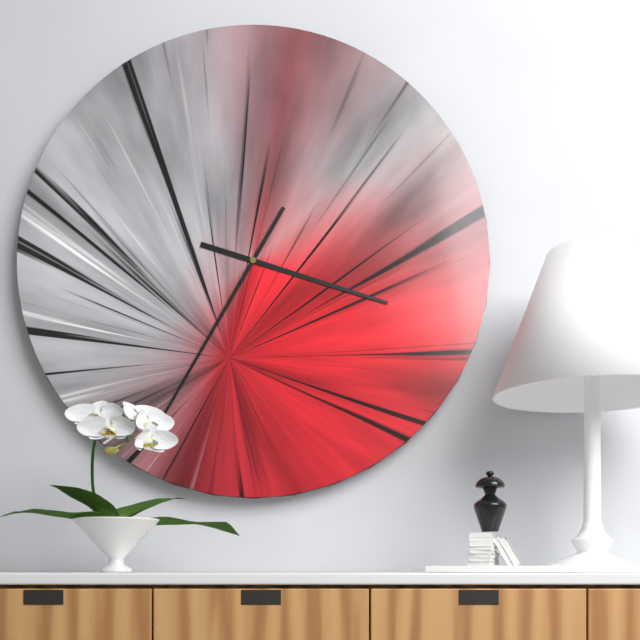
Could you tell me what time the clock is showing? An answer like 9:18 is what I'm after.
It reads 3:35
